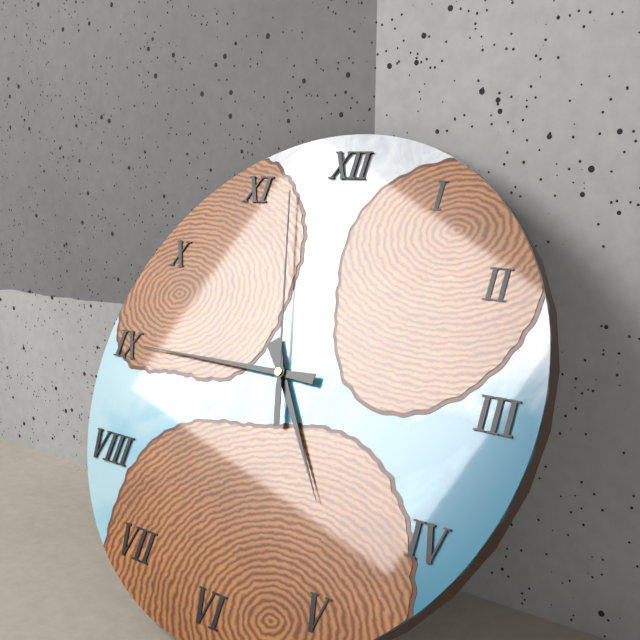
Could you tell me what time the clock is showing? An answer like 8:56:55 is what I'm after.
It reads 4:45:57
